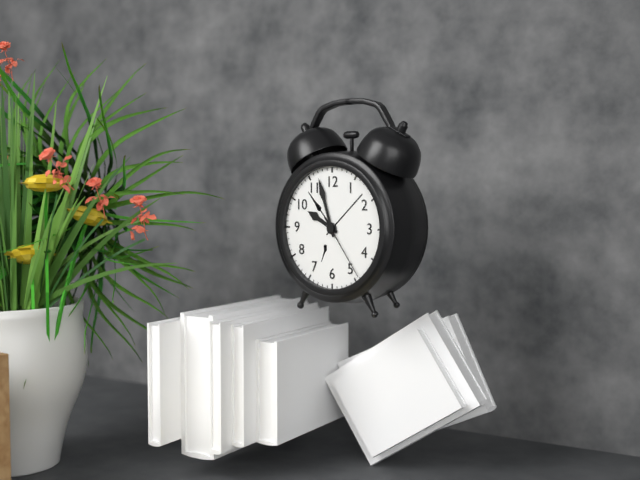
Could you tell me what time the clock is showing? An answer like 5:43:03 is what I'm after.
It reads 9:57:24
